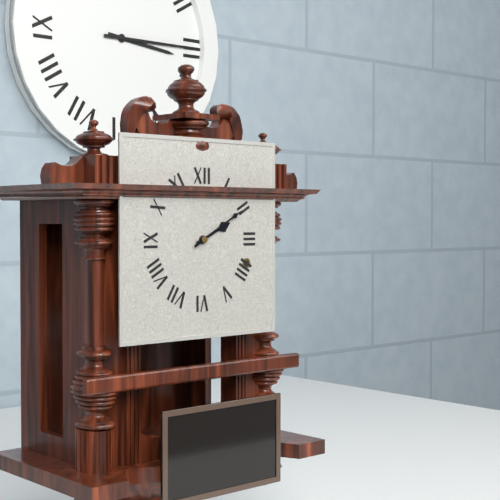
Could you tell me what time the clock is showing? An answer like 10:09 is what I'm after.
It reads 2:10
